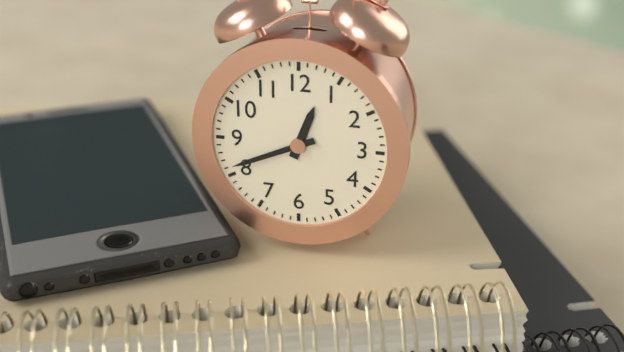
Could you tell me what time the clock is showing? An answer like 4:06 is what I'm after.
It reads 12:41
